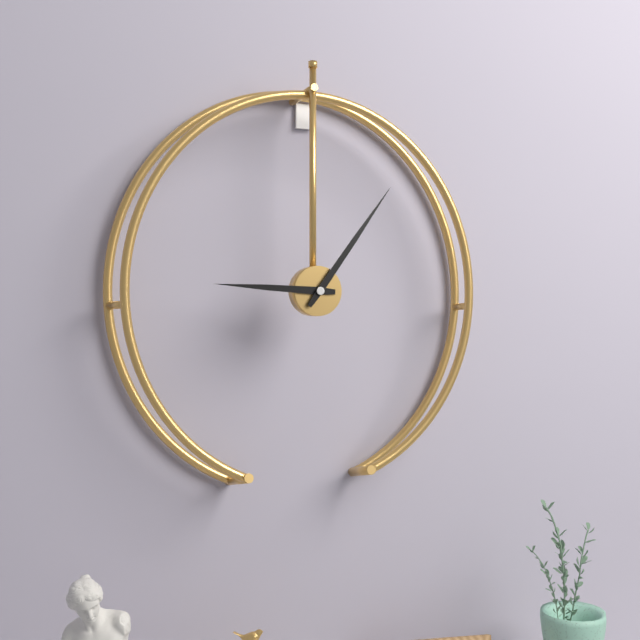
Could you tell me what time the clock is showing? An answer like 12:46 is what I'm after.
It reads 9:06
